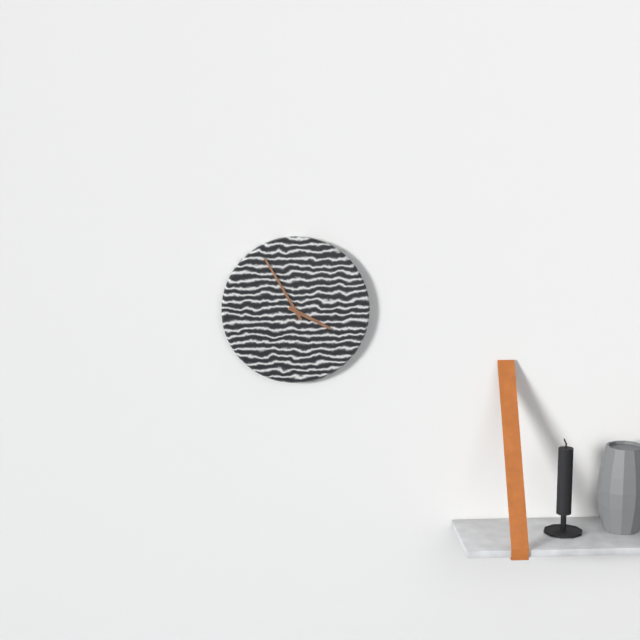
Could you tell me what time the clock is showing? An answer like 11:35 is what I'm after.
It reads 3:55
